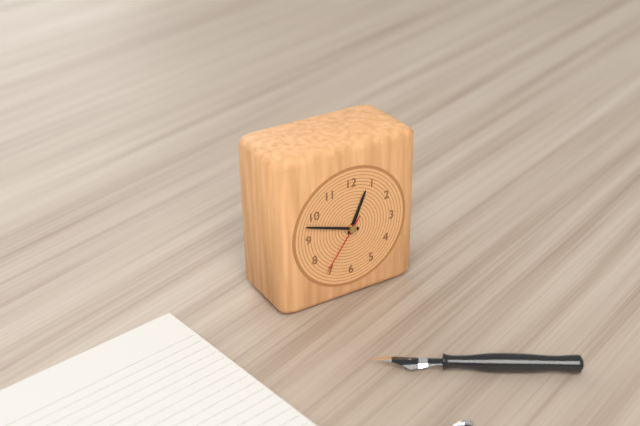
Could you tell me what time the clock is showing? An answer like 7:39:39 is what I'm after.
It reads 12:48:36
